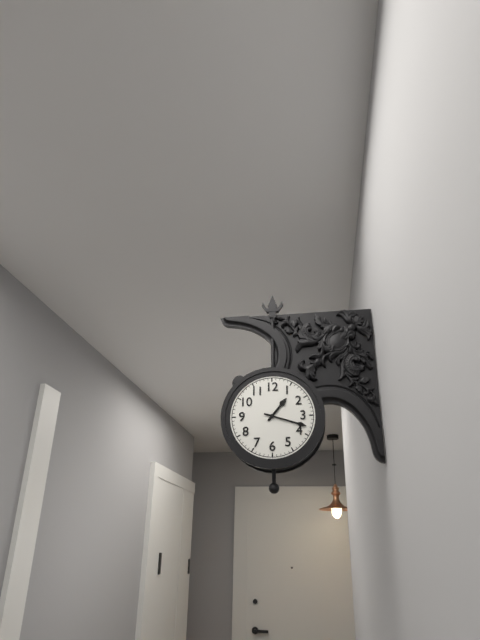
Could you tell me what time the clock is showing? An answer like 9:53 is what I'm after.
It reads 1:18
